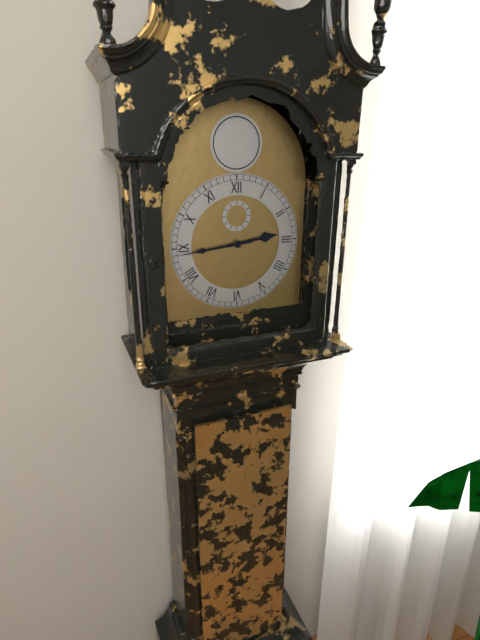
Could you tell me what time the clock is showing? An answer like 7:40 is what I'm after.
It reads 2:44
